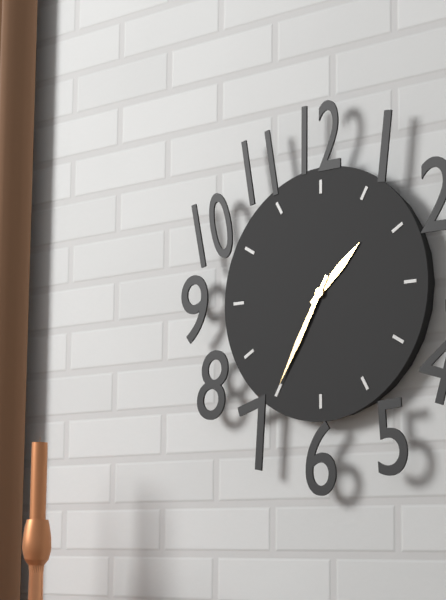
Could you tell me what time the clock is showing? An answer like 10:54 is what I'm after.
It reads 1:35
